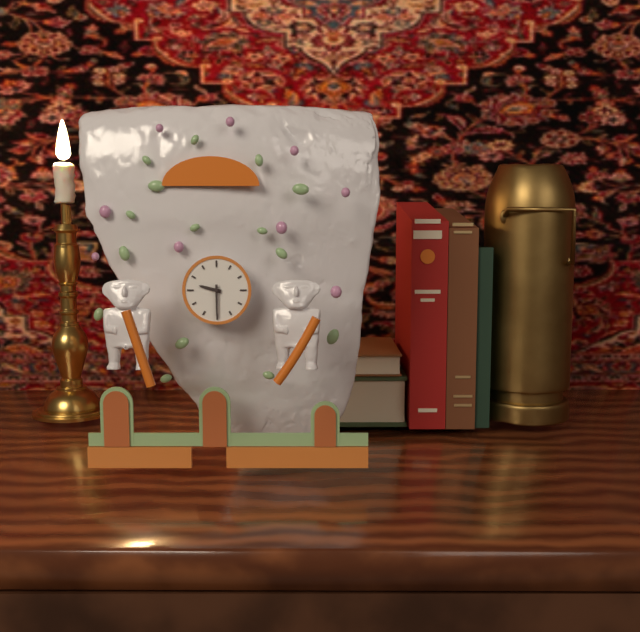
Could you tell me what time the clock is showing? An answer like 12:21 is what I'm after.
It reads 9:30
